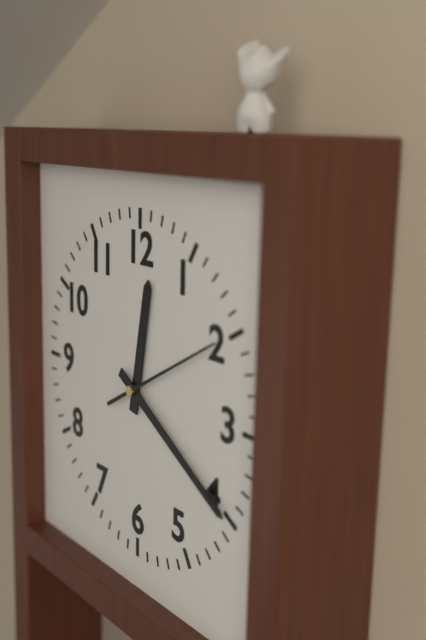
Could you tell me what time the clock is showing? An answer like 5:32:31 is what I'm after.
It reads 12:20:10
